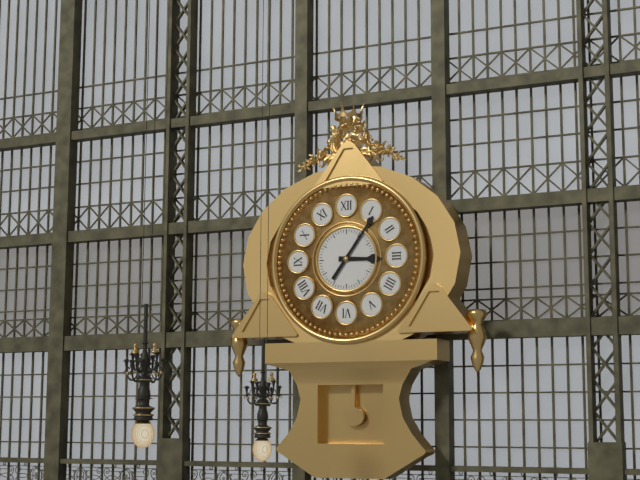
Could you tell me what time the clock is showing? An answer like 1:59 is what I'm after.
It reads 3:06
